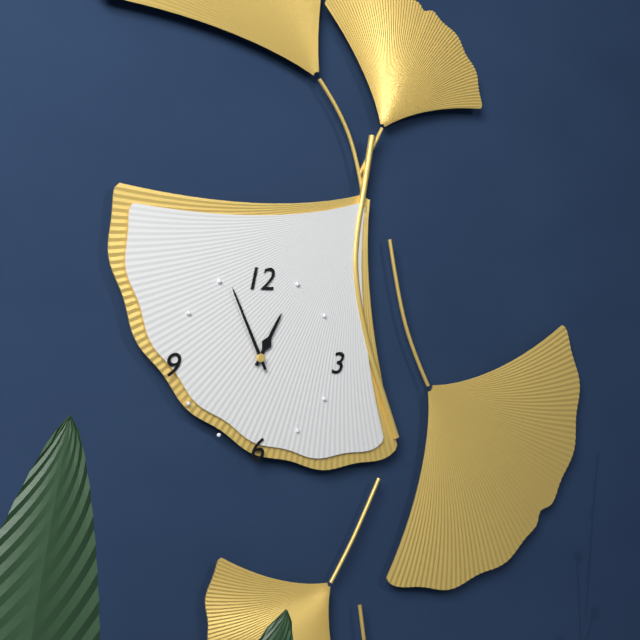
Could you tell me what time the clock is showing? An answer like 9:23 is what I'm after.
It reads 12:56
